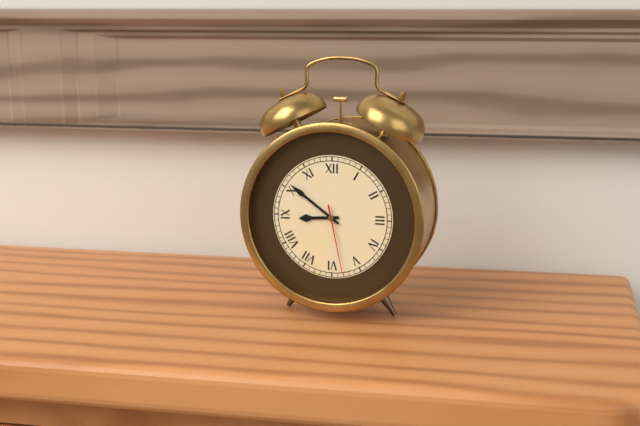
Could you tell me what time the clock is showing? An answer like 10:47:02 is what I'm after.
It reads 8:51:28
